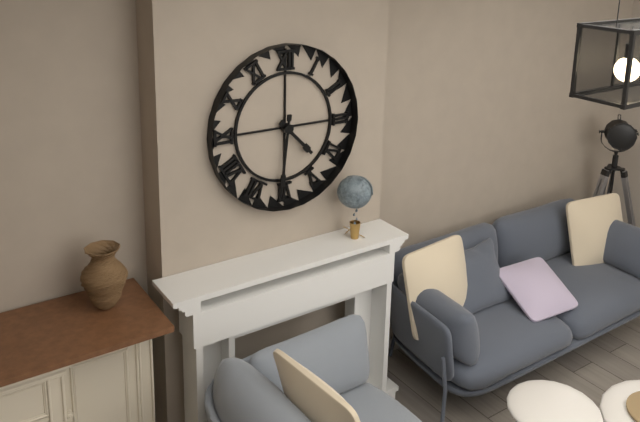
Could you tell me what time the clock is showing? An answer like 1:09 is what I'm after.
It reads 4:31
